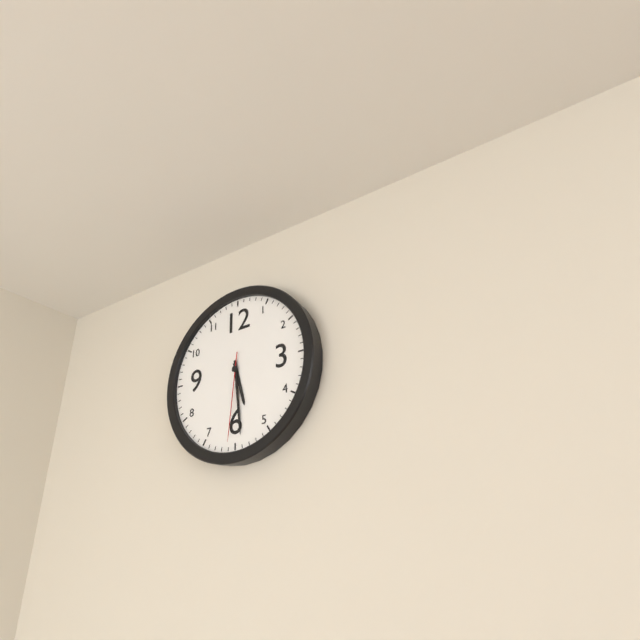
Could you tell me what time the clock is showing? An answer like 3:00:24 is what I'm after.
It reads 5:29:31
